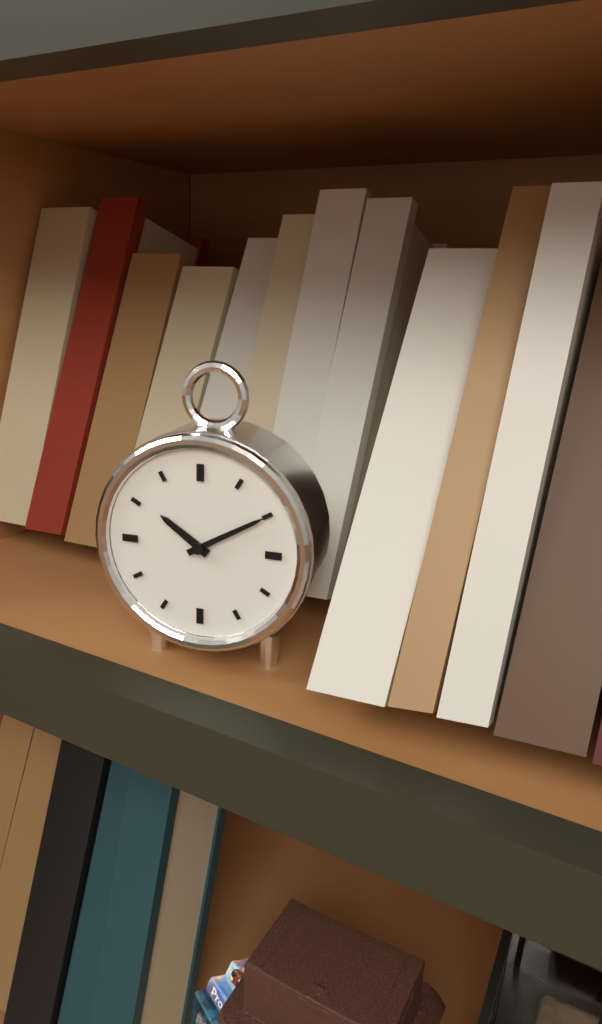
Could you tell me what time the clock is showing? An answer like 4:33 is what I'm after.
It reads 10:10
